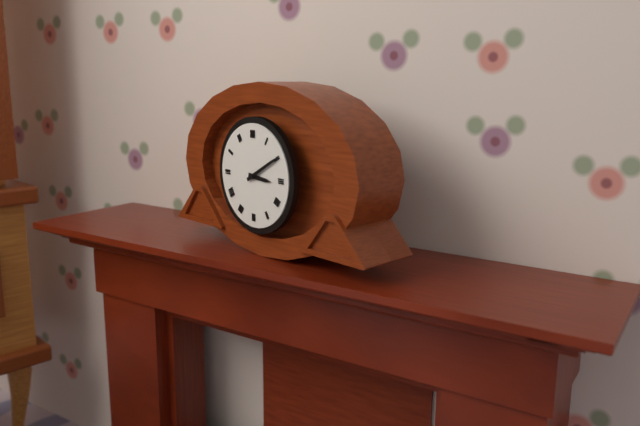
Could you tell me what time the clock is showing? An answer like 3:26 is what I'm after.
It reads 3:10
